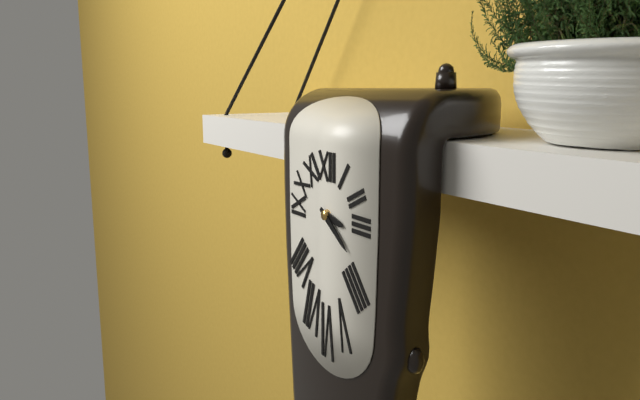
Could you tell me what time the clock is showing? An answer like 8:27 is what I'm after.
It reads 3:21
